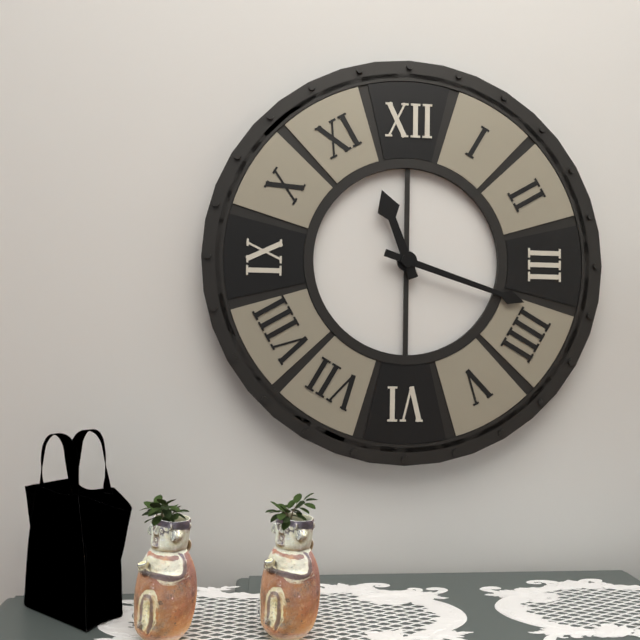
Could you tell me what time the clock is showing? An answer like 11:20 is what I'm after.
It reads 11:18
